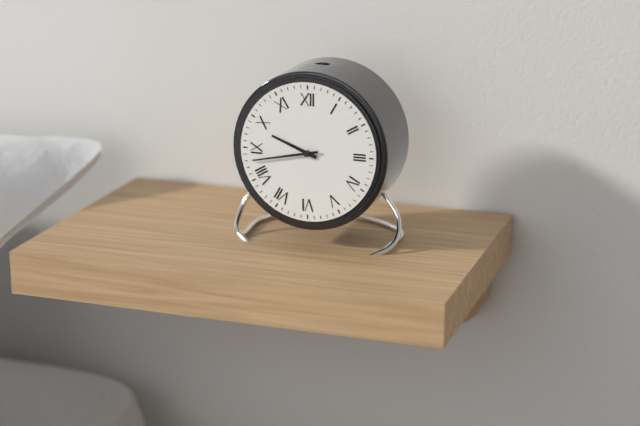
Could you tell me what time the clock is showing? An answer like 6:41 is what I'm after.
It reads 9:43
